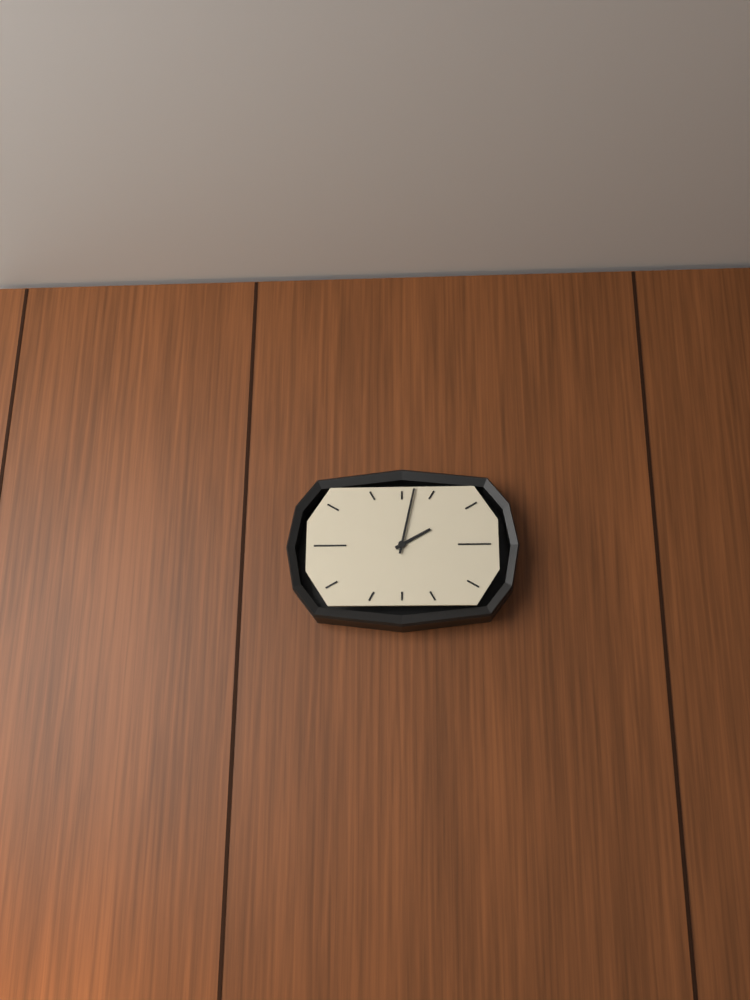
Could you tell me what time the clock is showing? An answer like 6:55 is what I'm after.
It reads 2:02
